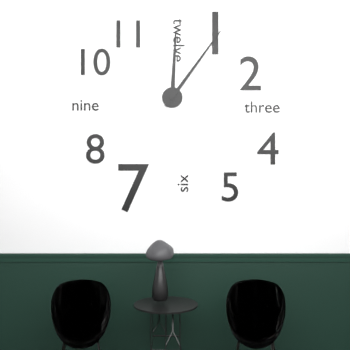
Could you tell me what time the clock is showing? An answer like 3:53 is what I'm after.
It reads 12:06
